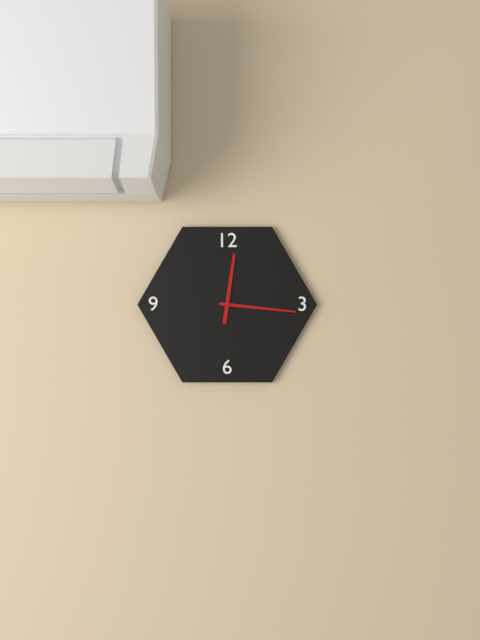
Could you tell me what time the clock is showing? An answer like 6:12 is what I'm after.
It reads 12:16
